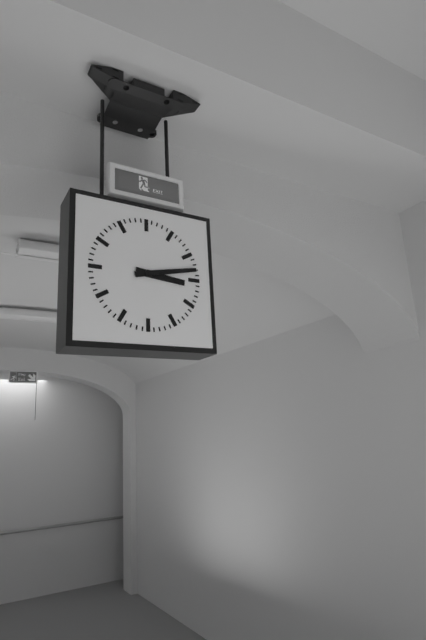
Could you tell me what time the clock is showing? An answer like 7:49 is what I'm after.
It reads 3:13
